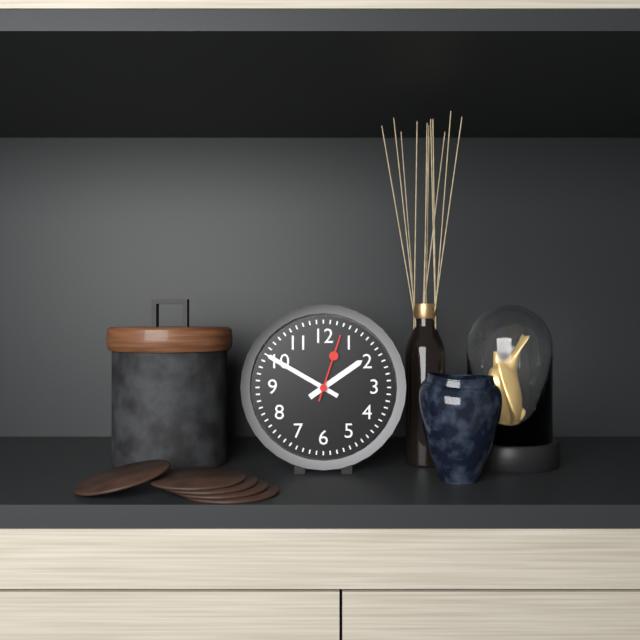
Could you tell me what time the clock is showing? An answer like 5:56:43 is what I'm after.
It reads 1:50:03
